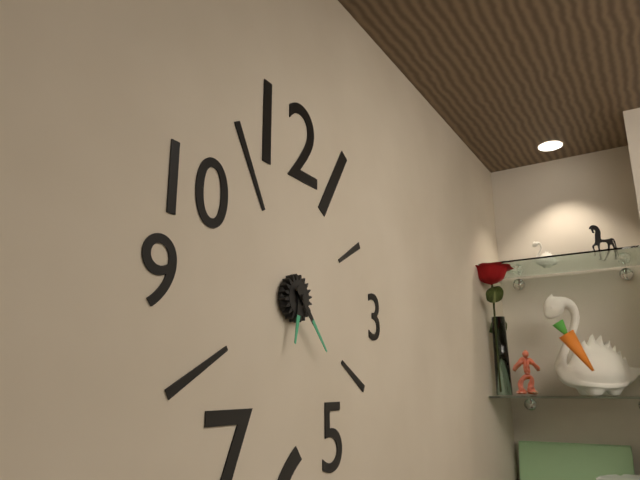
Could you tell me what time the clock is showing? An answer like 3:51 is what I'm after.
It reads 6:23
